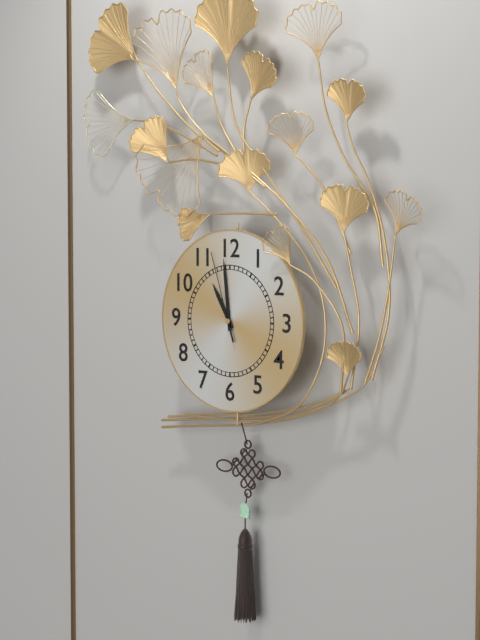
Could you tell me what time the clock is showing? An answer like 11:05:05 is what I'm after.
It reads 10:59:57
